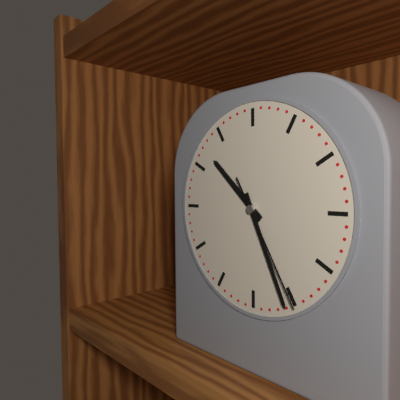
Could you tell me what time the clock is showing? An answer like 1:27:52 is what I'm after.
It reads 10:26:25
